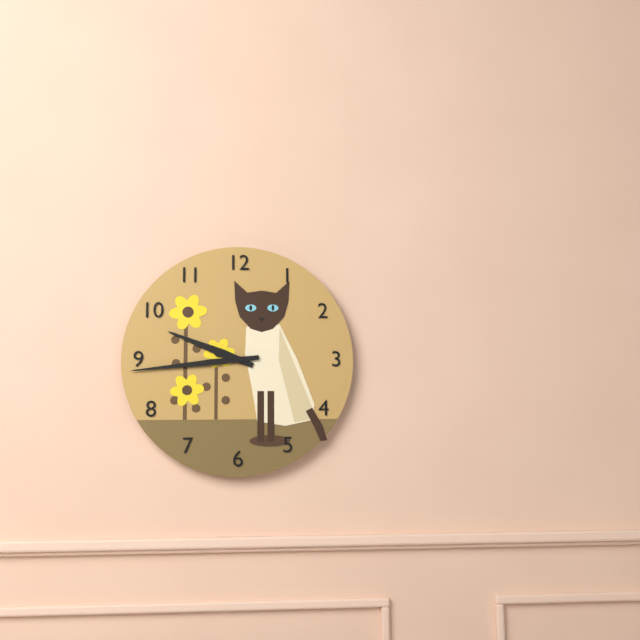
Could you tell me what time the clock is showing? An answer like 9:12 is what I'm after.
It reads 9:44
